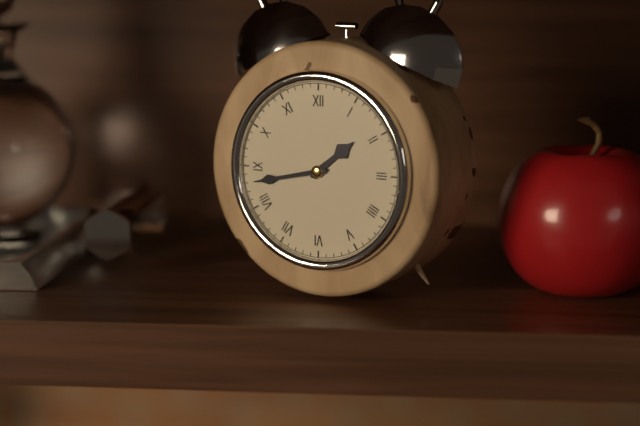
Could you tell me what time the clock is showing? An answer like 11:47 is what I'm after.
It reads 1:43
